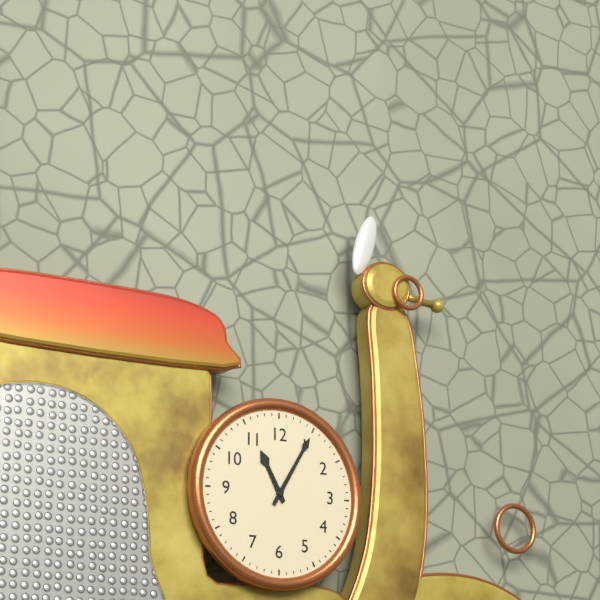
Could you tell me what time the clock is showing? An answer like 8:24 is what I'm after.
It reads 11:05
